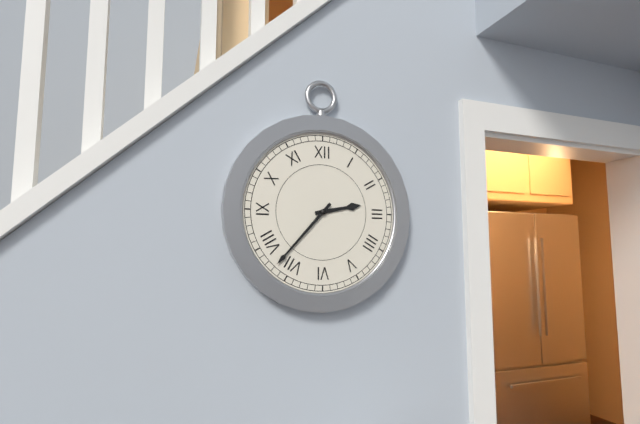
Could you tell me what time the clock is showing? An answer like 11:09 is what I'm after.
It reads 2:37
